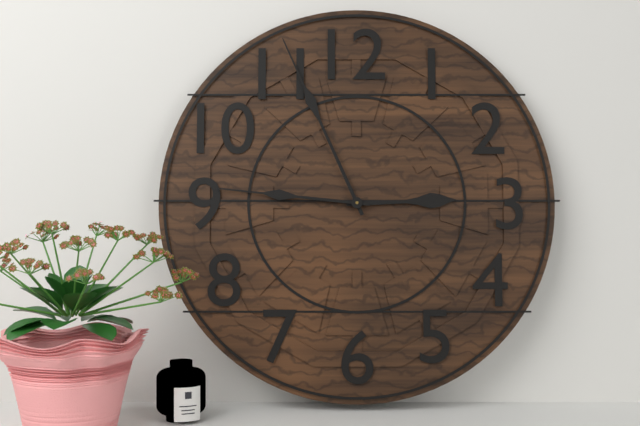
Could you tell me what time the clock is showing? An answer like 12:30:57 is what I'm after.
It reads 2:56:46
